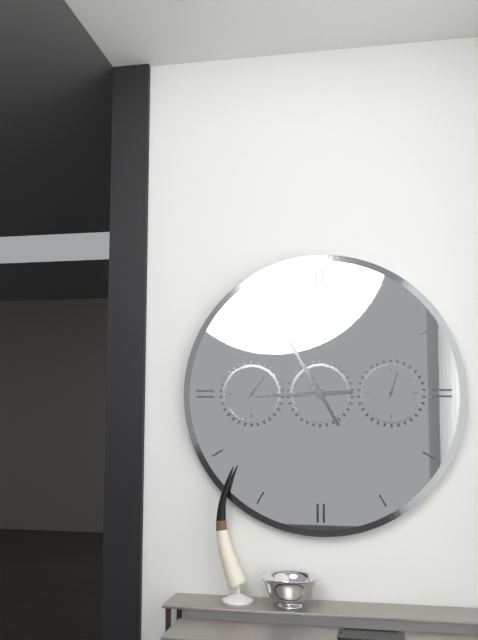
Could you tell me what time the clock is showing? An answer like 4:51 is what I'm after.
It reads 8:55
